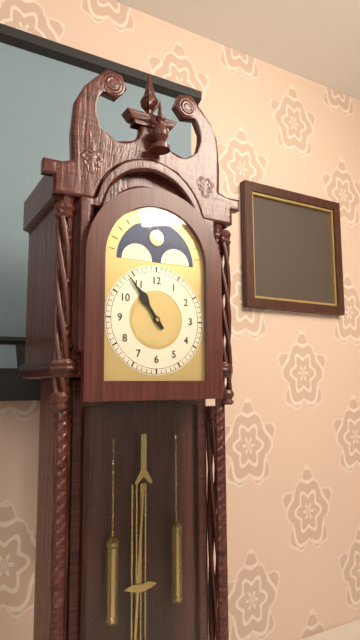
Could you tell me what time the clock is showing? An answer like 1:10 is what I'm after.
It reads 10:54
